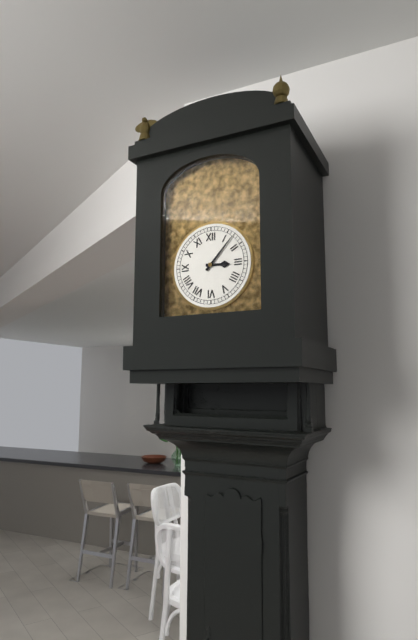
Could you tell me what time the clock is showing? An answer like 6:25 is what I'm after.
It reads 3:07
